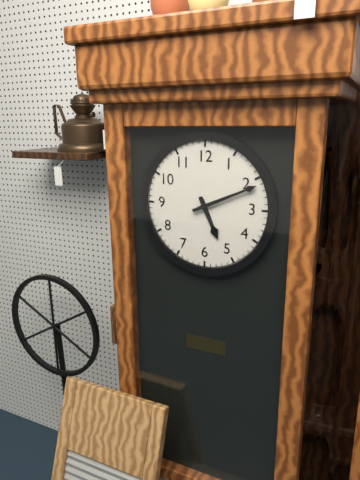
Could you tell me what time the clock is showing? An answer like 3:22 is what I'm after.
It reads 5:11
